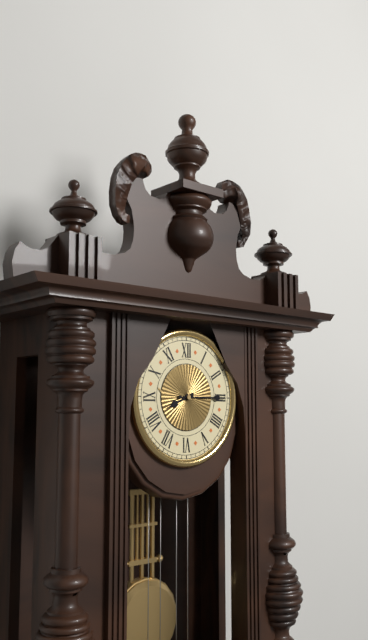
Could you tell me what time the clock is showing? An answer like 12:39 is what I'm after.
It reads 8:15
